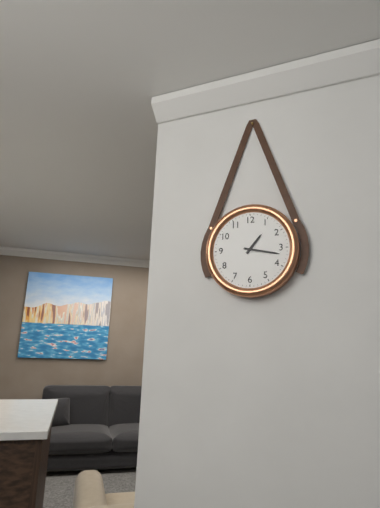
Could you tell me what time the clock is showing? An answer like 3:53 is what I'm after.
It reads 1:17
